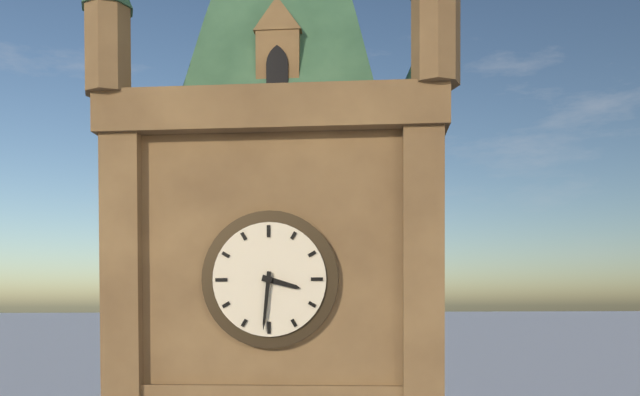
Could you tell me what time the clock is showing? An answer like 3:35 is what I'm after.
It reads 3:31
